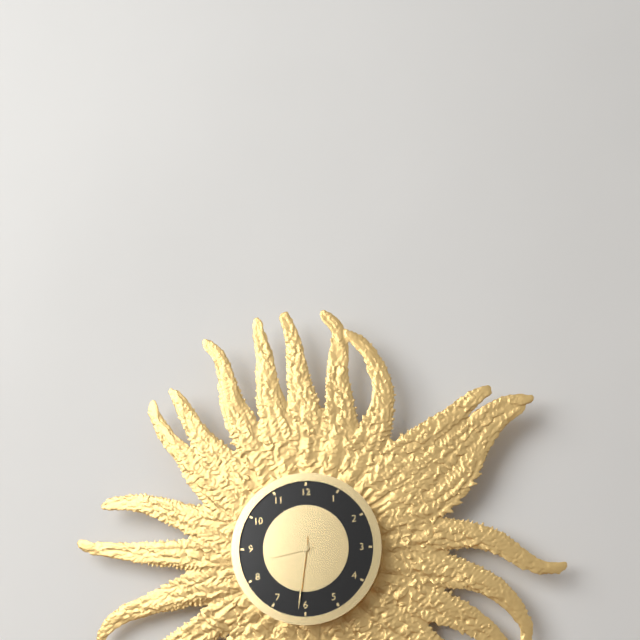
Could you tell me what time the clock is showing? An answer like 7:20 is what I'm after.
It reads 8:31
